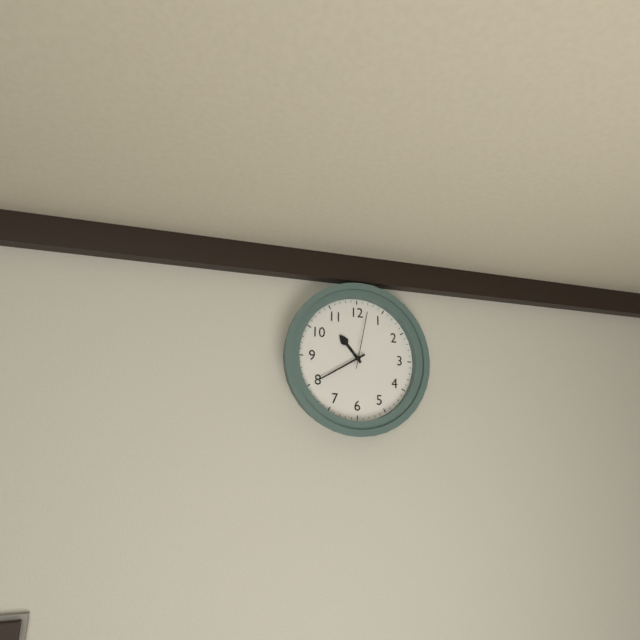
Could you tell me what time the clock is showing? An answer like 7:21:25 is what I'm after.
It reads 10:40:02
